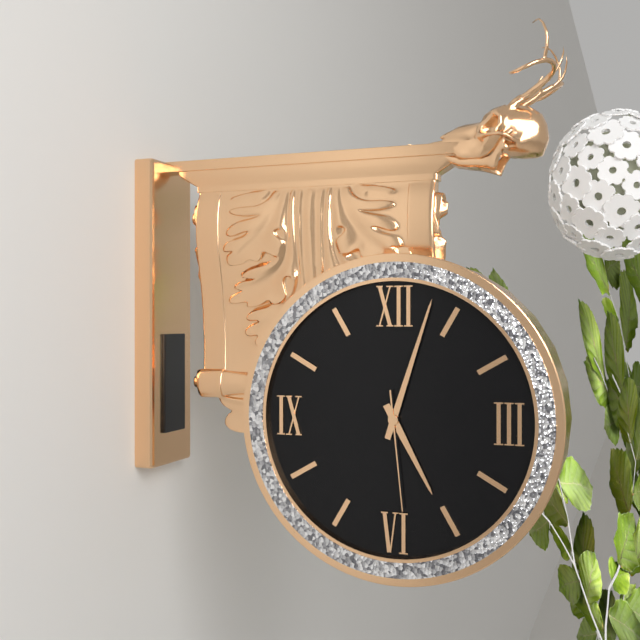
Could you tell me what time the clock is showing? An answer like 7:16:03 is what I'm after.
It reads 5:03:29
